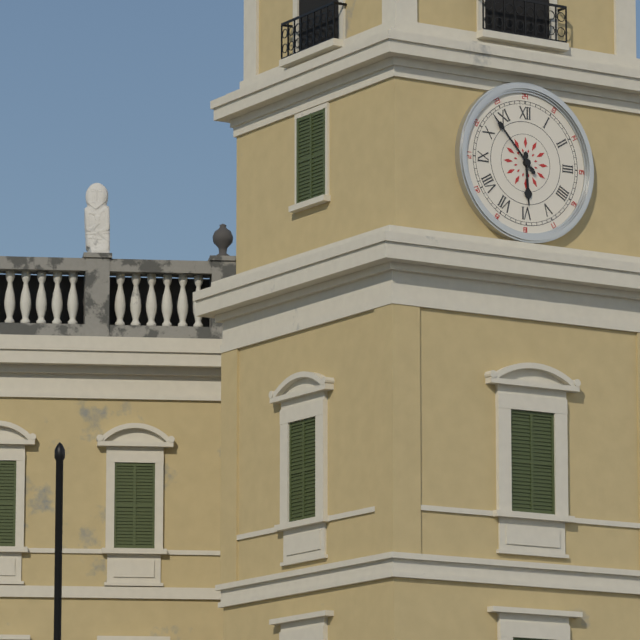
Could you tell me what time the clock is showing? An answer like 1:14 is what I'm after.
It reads 5:53
